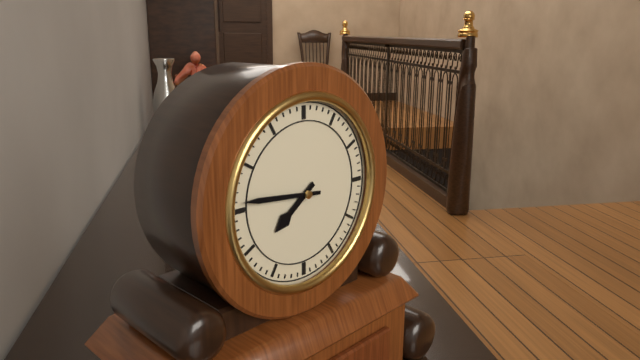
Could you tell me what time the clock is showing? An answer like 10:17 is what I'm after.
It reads 7:46
